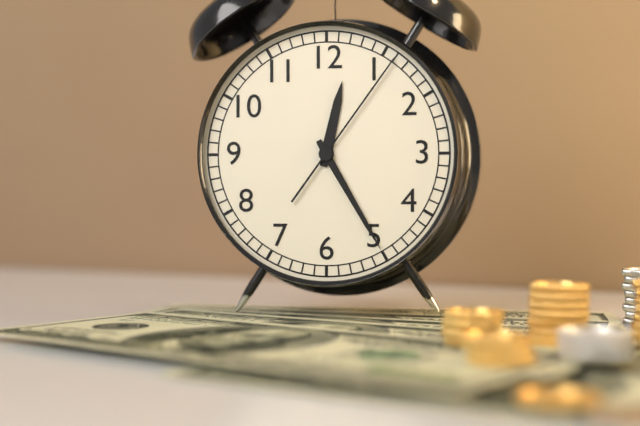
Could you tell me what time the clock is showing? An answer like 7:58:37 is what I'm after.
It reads 12:25:06
